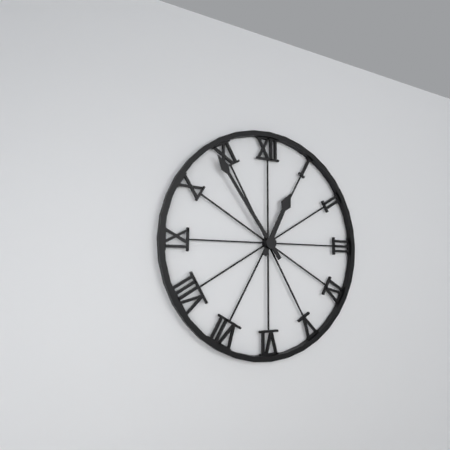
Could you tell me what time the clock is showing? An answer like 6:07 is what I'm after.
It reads 12:54
